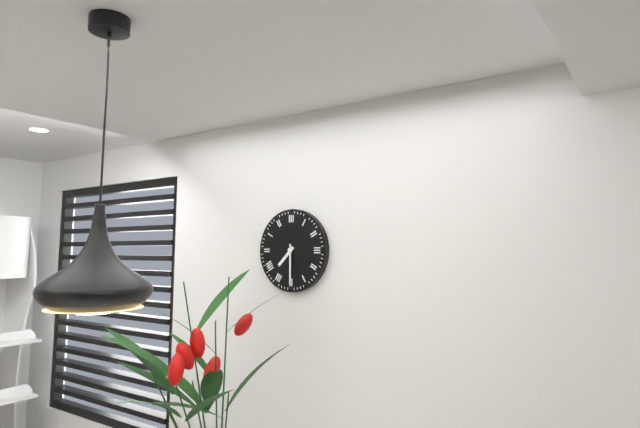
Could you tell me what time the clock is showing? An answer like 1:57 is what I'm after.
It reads 7:30
